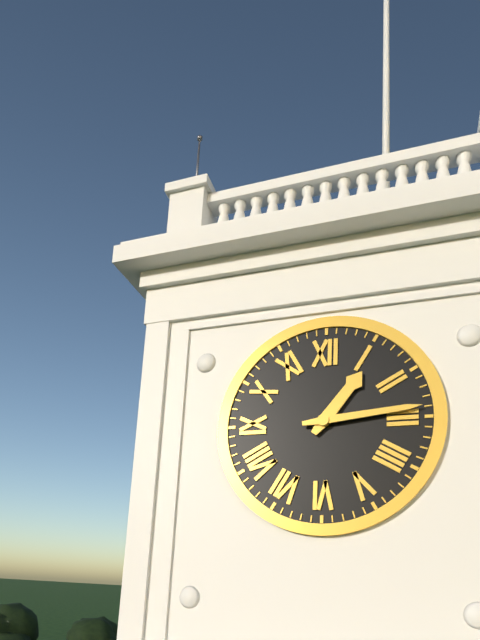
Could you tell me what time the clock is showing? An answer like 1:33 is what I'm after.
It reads 1:14
